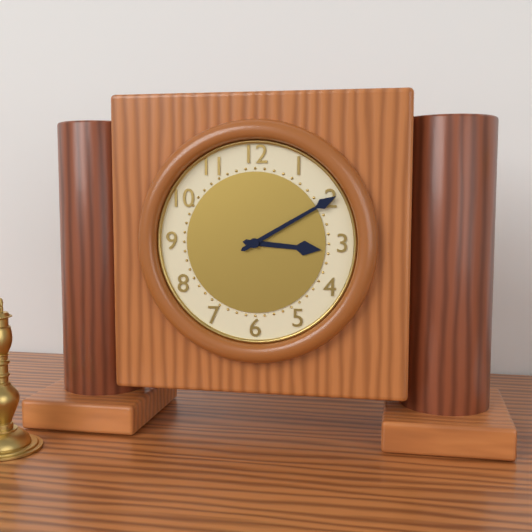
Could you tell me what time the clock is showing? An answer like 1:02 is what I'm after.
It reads 3:10
